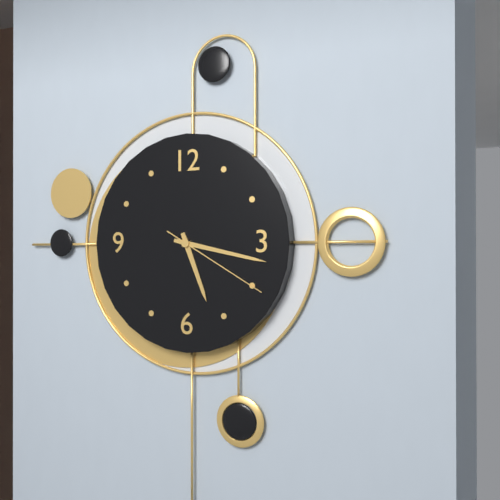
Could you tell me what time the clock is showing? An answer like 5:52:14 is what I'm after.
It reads 5:17:20
